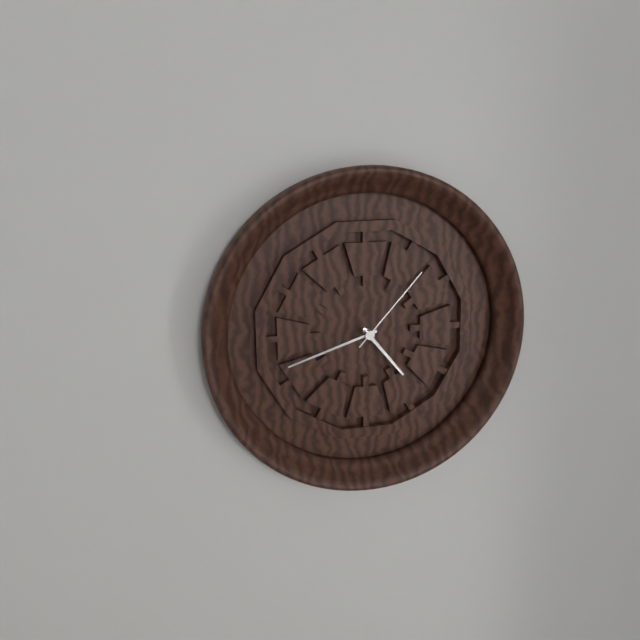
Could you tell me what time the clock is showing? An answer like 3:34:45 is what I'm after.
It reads 4:42:07
